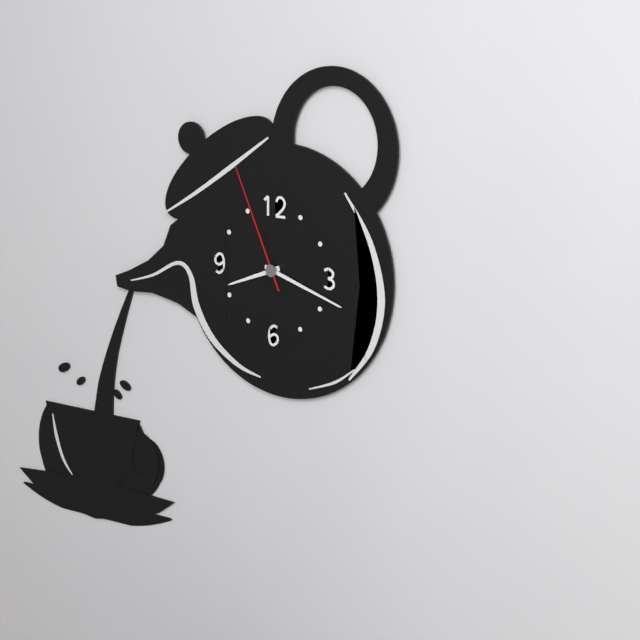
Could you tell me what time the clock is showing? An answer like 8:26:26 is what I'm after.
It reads 8:18:56
